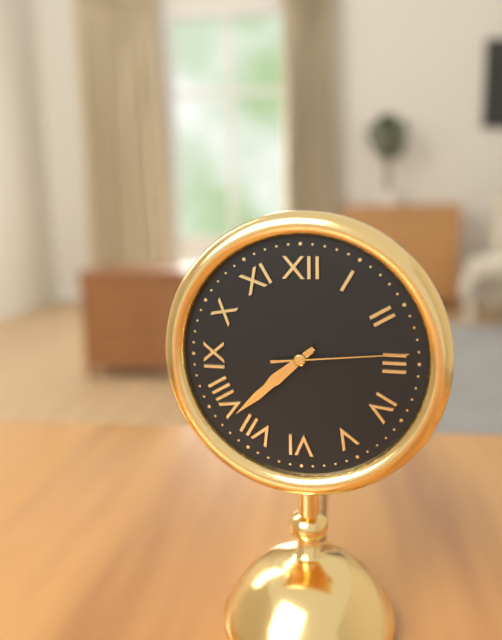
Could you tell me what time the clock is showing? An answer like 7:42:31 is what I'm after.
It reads 7:38:14
